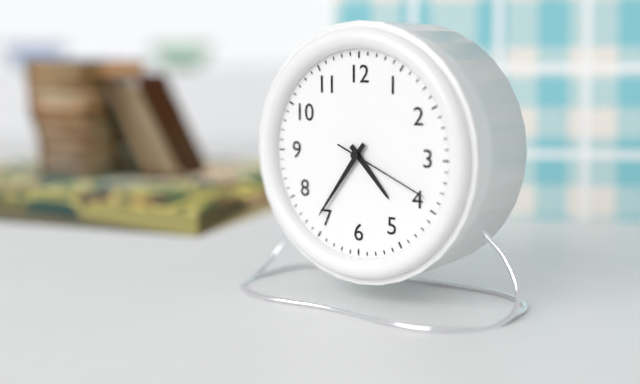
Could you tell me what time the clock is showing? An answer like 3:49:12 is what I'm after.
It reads 4:36:19
